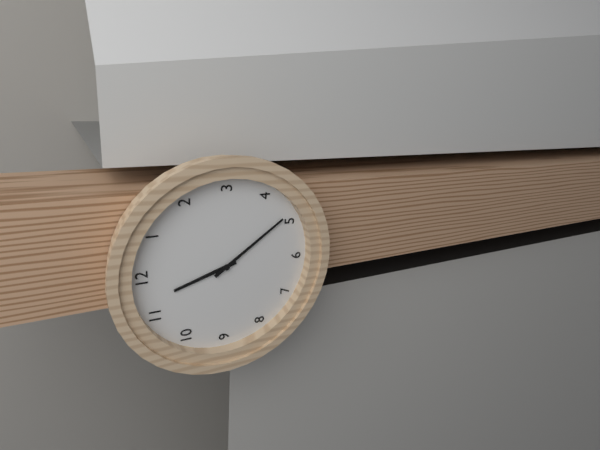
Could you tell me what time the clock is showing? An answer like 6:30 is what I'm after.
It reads 11:24
